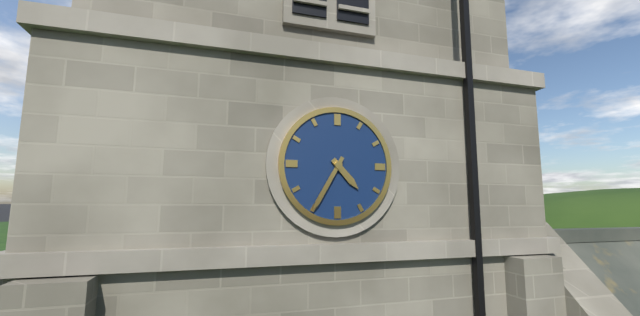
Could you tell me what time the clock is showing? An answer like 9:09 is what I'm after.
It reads 4:35
